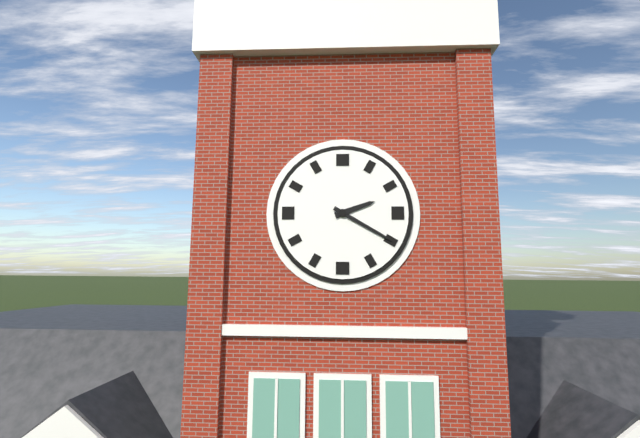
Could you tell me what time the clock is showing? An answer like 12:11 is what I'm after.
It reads 2:20
